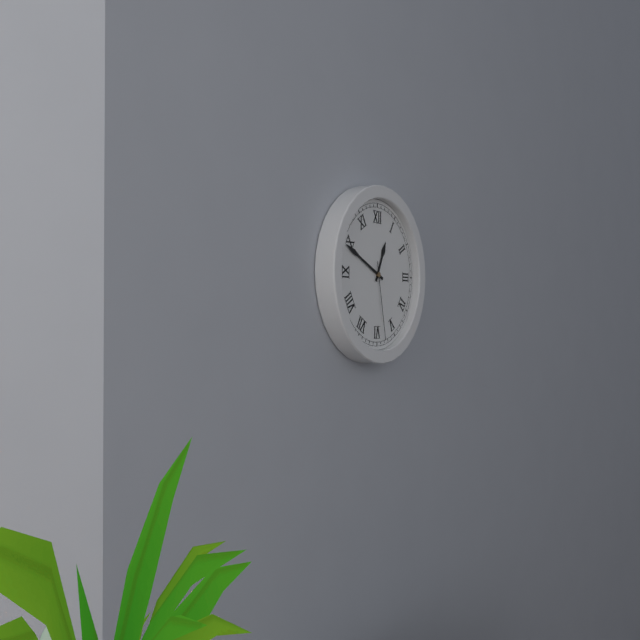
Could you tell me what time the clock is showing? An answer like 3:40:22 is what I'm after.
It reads 12:49:28
